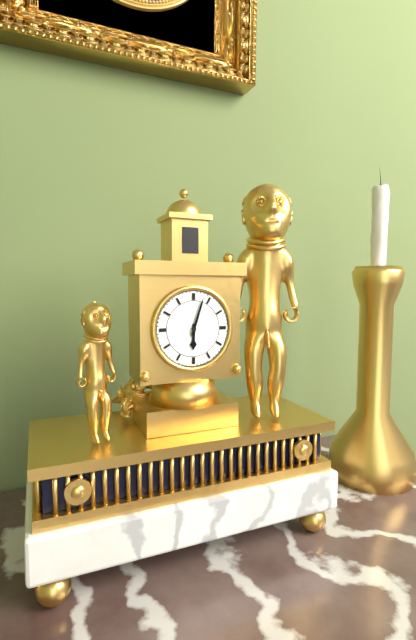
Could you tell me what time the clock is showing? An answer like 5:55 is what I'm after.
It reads 6:03
